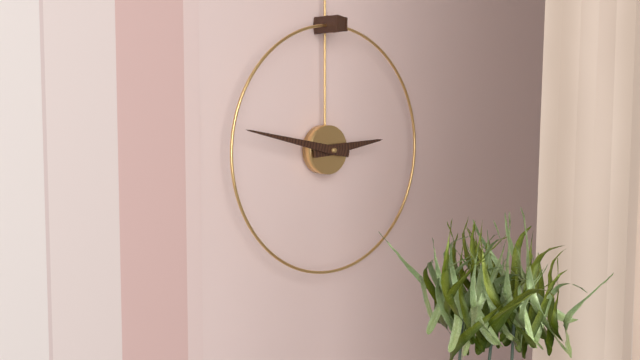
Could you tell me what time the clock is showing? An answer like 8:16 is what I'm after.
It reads 2:47
